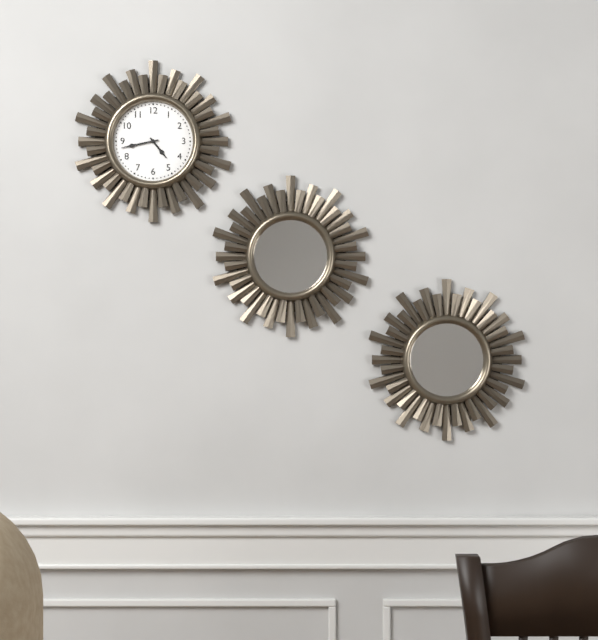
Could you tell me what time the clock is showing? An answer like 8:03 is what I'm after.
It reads 4:43
